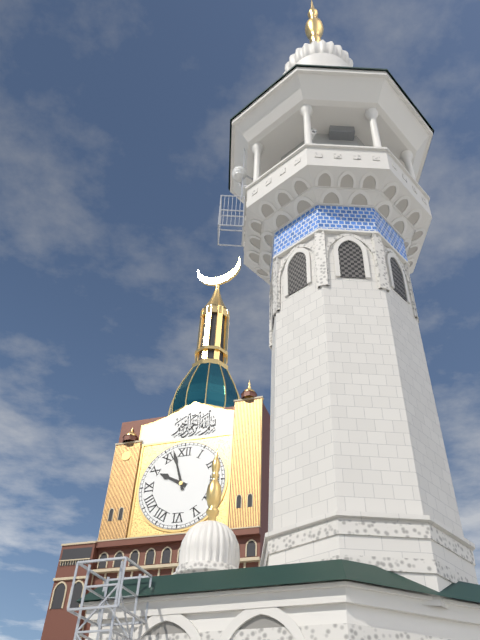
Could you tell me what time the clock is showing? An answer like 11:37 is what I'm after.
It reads 9:57
